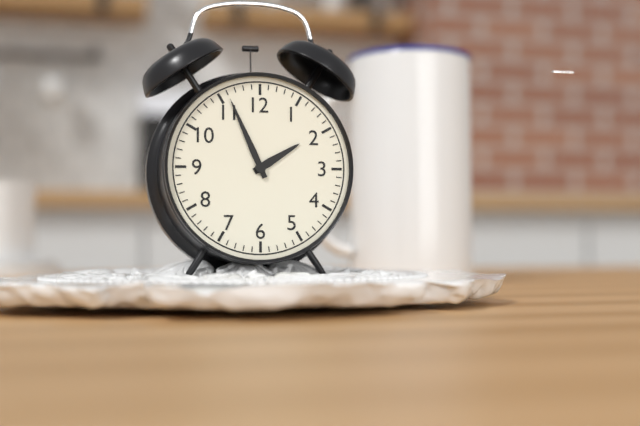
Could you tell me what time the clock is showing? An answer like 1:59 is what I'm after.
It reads 1:56
